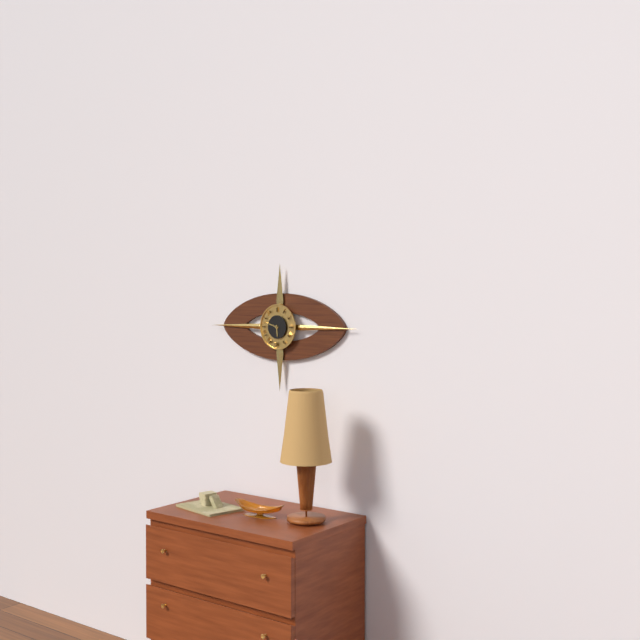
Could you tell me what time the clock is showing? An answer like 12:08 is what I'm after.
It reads 5:48
